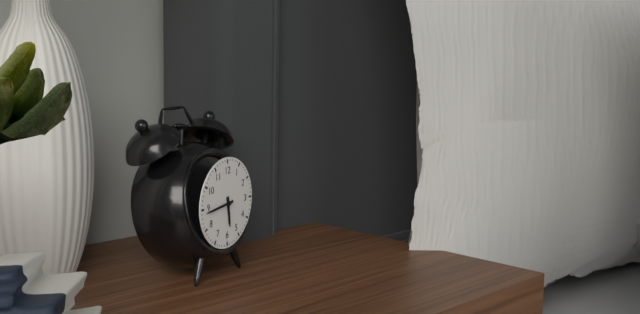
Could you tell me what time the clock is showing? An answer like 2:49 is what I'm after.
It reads 5:44
